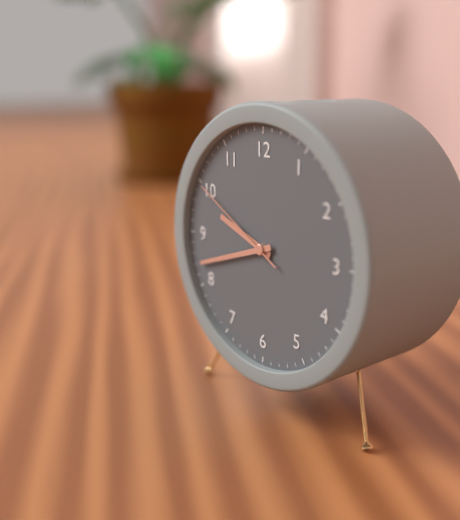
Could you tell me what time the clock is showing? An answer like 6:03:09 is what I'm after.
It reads 9:42:50
